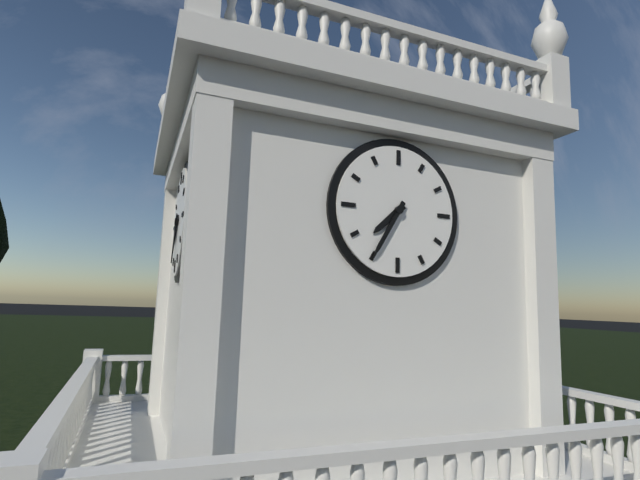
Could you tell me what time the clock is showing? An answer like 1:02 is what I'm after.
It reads 7:35
